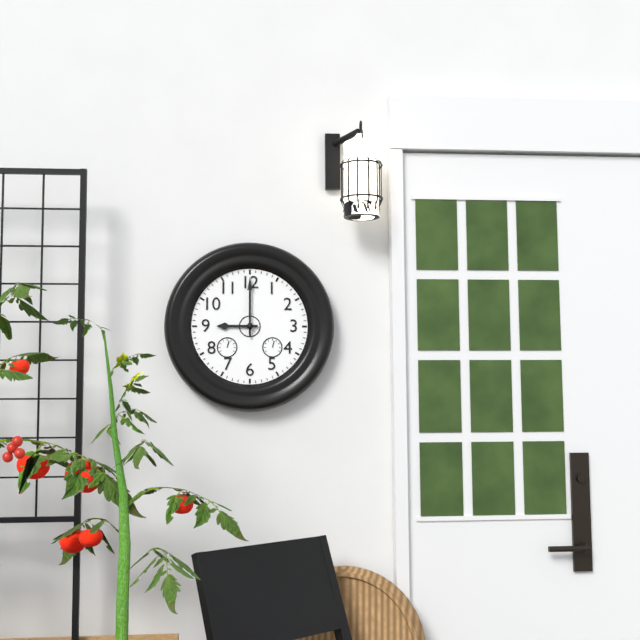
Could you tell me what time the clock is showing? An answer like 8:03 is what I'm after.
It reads 9:00
